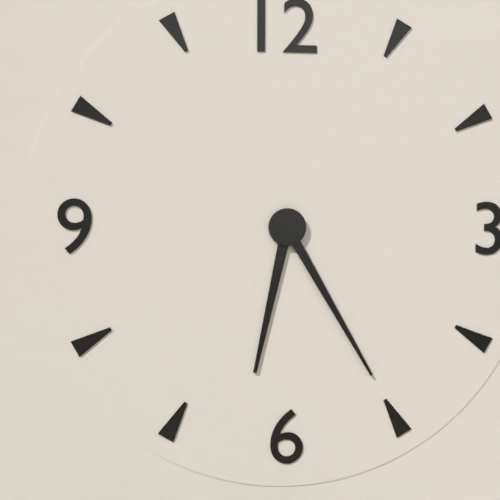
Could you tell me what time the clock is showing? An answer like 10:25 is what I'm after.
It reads 6:25
